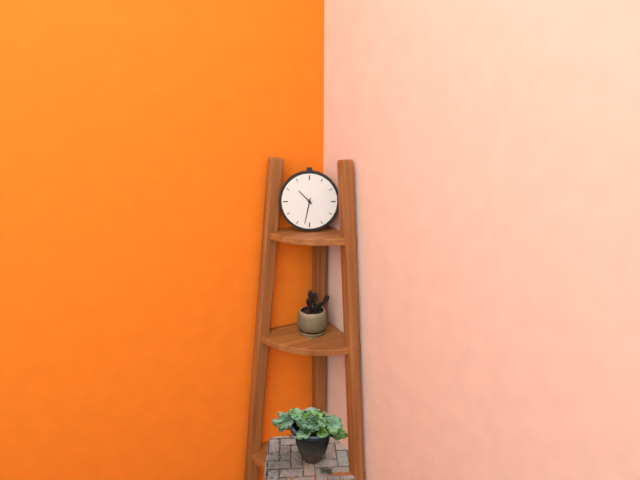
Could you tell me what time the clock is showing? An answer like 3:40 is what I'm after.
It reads 10:32
